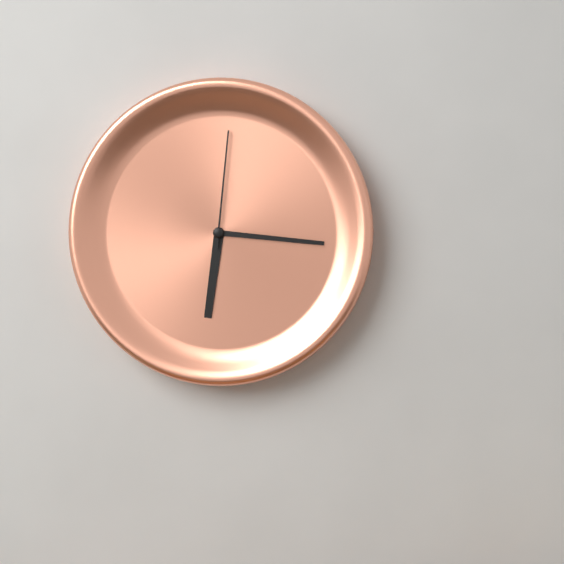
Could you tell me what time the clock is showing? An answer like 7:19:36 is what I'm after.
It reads 6:16:01
